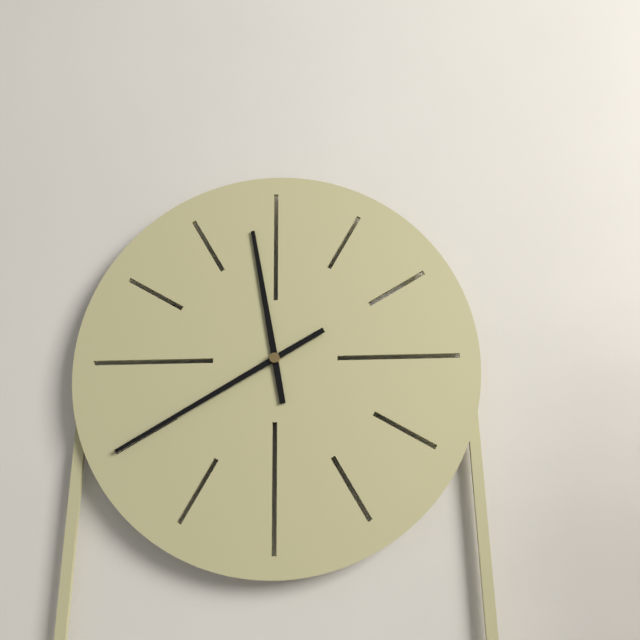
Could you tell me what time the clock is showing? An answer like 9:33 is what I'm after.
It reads 11:40
